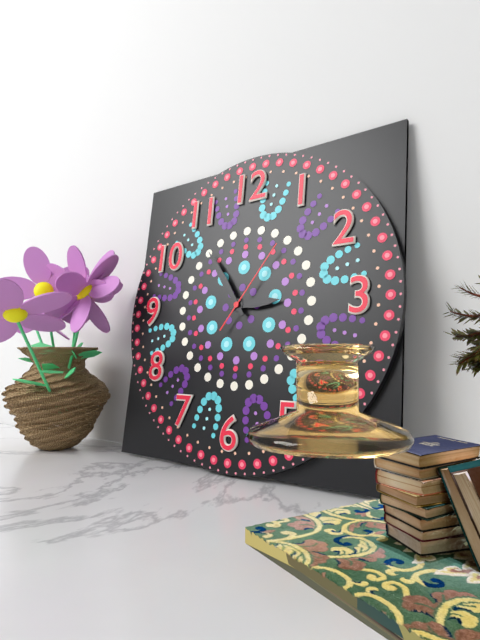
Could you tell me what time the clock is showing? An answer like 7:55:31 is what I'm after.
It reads 2:54:06
